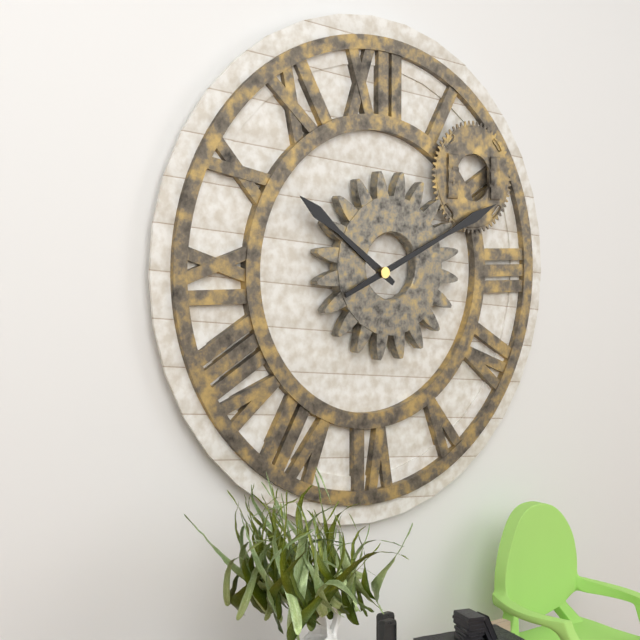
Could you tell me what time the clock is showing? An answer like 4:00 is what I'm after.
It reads 10:11
